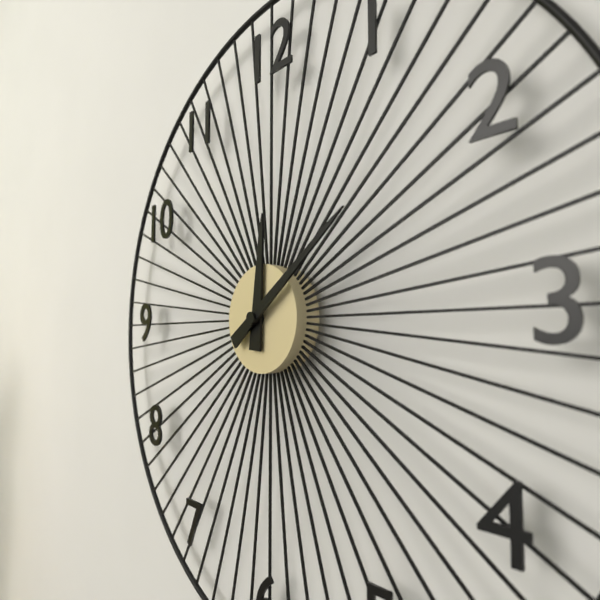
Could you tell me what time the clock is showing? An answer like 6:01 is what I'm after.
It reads 12:09
